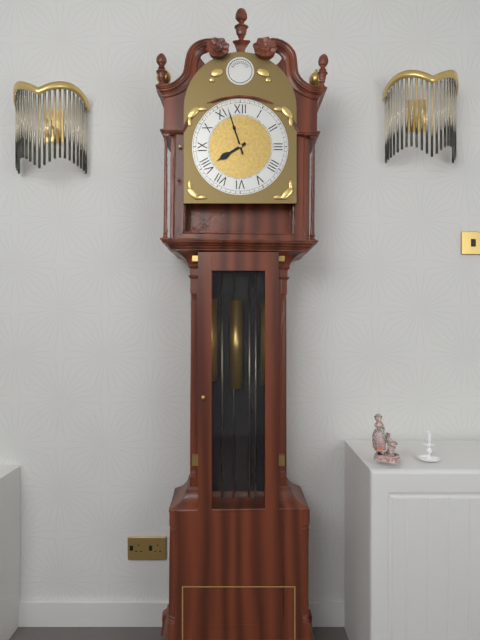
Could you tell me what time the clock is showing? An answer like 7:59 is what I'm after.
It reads 7:57
